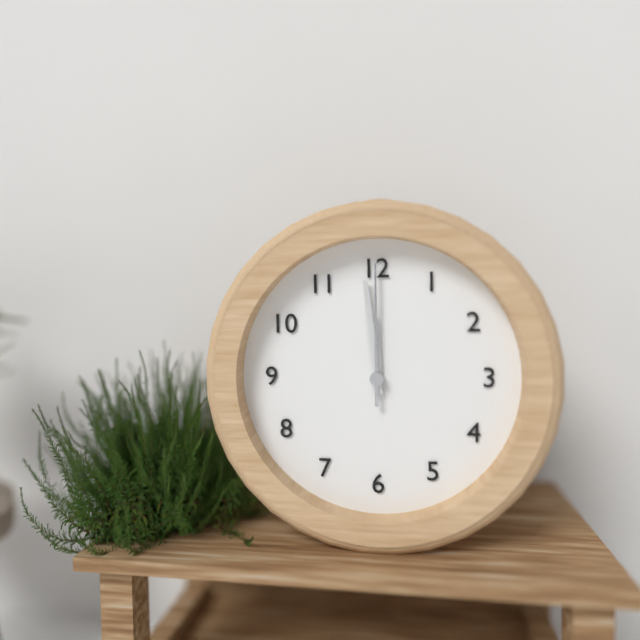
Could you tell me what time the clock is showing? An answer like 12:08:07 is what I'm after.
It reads 11:59:00
